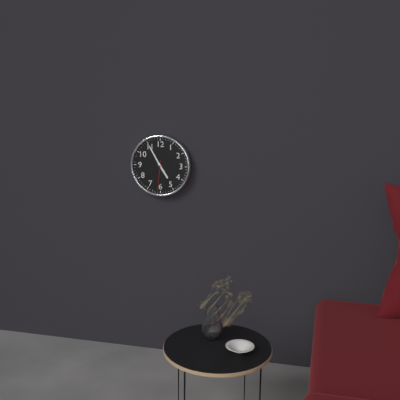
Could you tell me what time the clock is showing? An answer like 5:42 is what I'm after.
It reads 4:55
